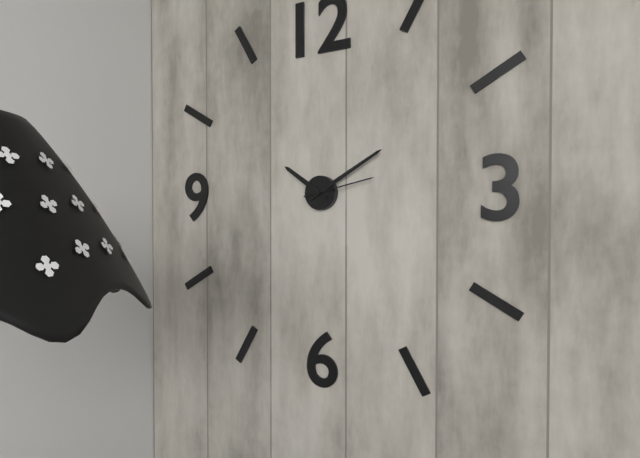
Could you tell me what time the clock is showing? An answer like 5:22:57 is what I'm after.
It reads 10:10:13
